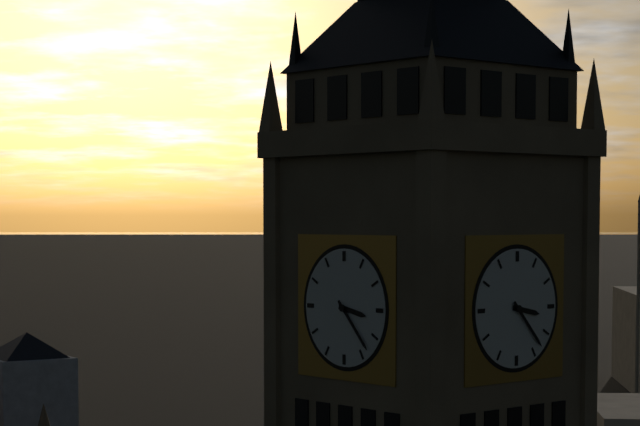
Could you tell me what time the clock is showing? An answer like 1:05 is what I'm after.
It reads 3:23
